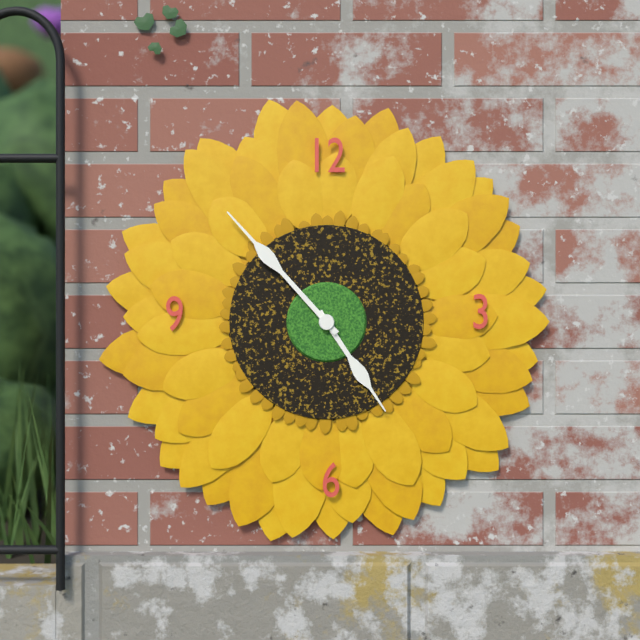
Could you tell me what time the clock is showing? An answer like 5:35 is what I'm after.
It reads 4:53
